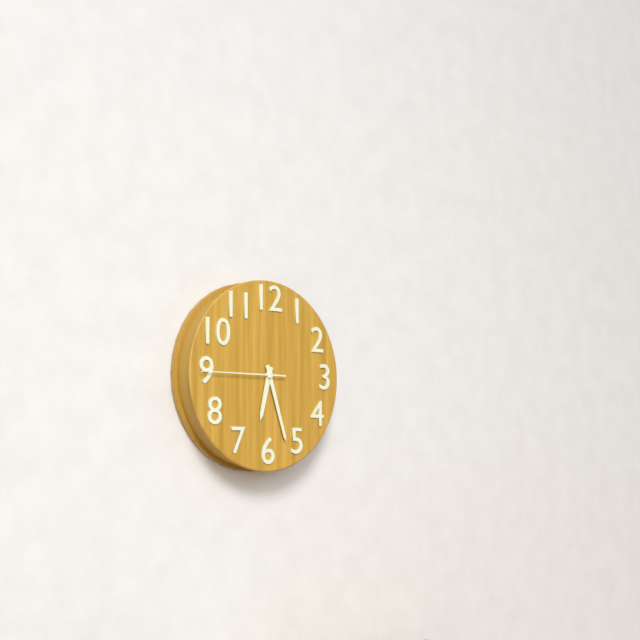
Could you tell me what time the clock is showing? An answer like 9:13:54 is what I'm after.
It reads 6:27:45
